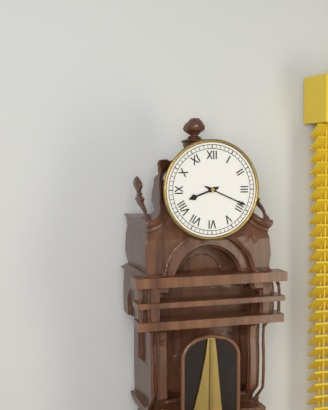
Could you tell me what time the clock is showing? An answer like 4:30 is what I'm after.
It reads 8:19
